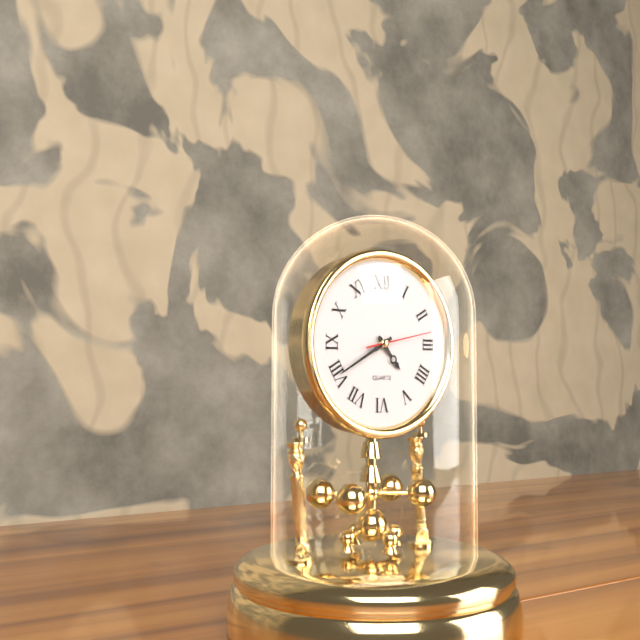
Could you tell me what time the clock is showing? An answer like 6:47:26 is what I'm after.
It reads 4:40:13
